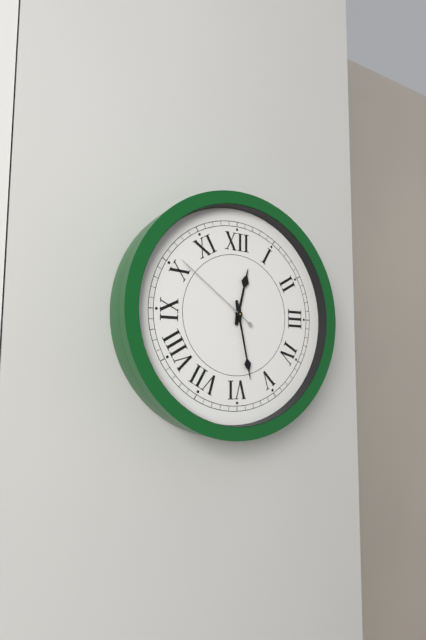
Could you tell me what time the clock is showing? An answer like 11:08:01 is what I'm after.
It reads 12:28:51
